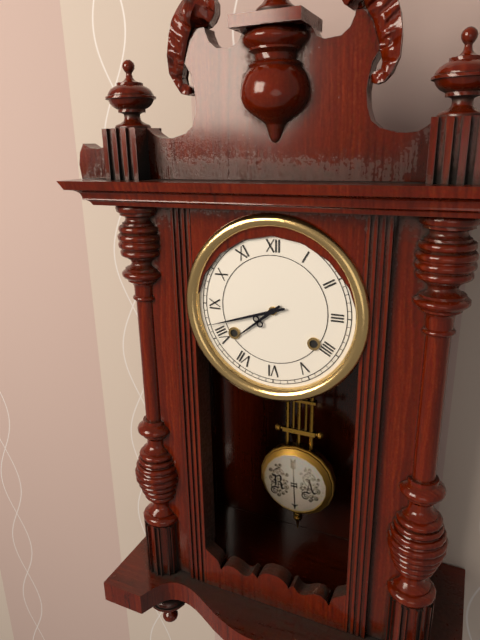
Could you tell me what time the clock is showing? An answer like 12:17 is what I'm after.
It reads 7:42
